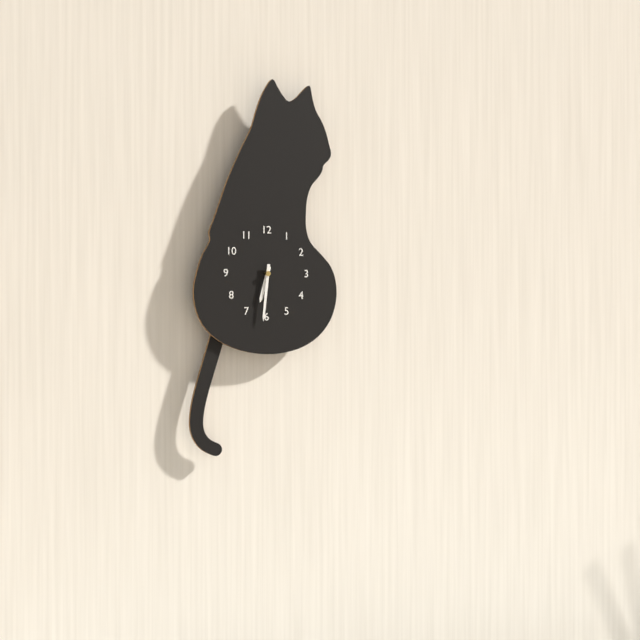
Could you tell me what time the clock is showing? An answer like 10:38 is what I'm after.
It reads 6:31
